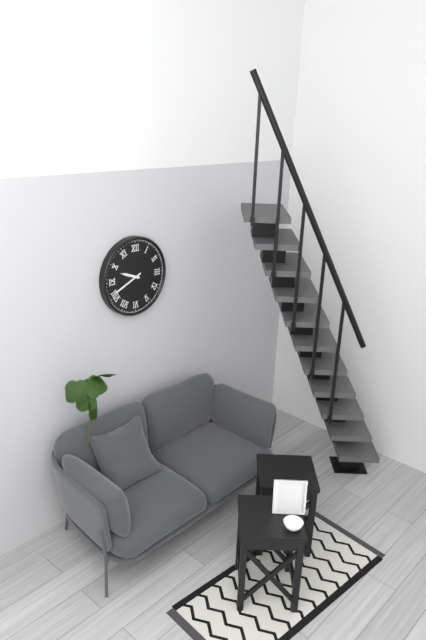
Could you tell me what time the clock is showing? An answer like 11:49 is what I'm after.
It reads 9:41
